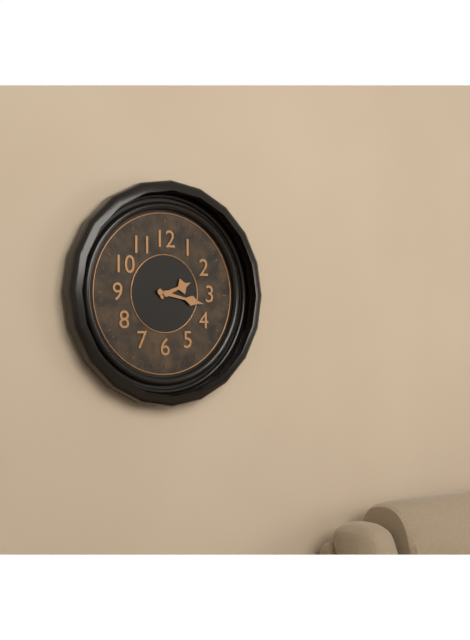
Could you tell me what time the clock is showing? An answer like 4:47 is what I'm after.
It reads 2:17
